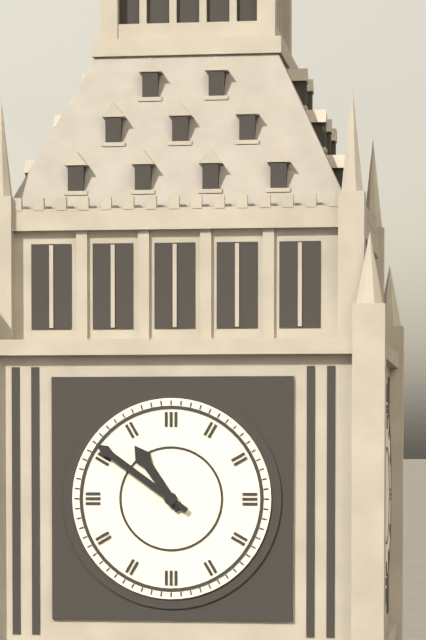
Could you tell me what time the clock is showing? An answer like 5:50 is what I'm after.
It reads 10:51
